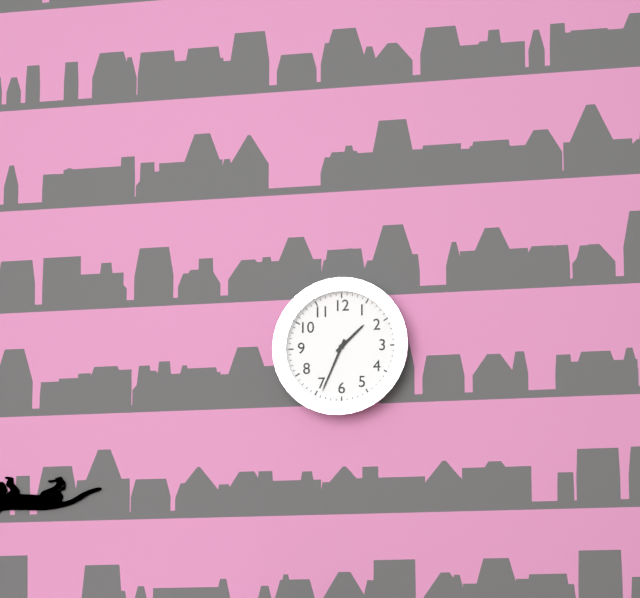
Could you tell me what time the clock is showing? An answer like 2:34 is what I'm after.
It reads 1:34
